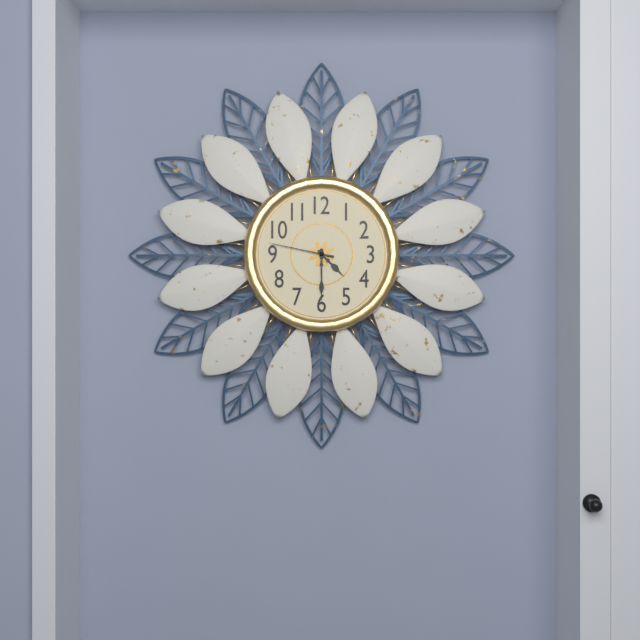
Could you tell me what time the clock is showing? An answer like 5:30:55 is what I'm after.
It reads 4:30:47
